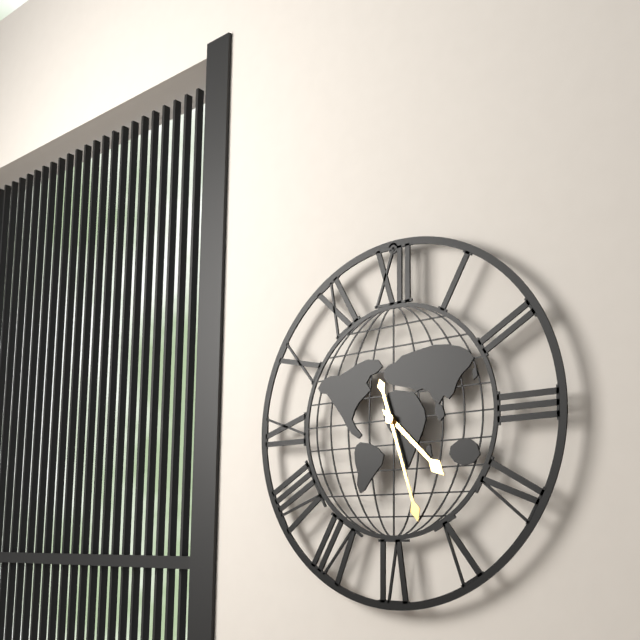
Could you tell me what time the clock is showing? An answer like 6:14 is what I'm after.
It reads 4:27
